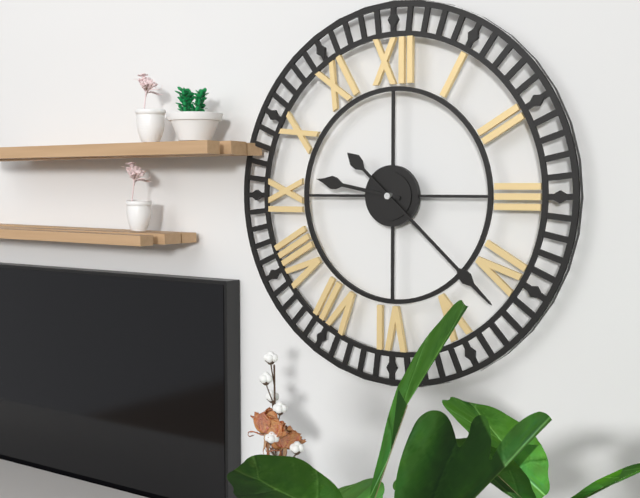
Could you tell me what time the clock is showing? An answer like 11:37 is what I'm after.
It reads 9:22
